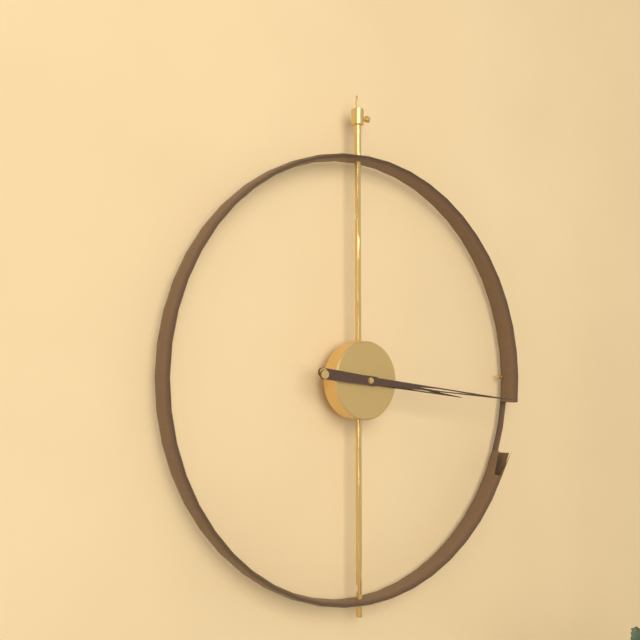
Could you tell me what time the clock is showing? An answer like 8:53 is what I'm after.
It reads 3:16
